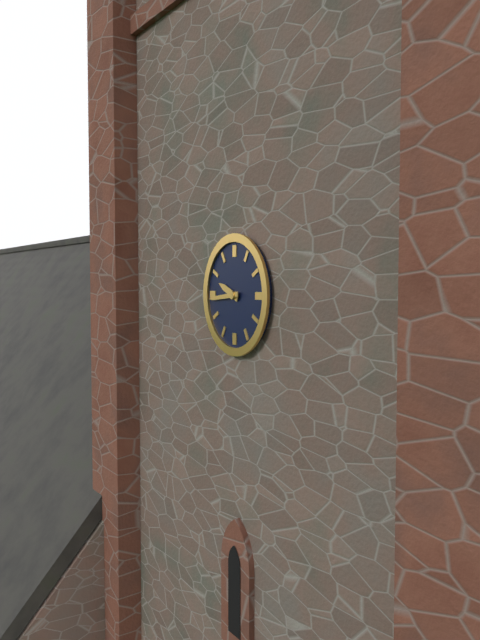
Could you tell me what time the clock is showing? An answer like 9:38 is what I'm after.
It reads 9:44
